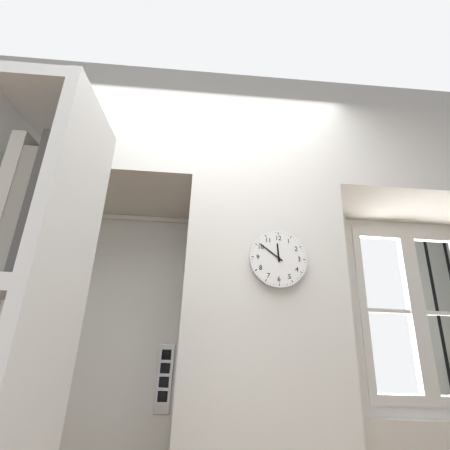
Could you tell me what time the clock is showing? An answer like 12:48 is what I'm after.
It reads 11:51
